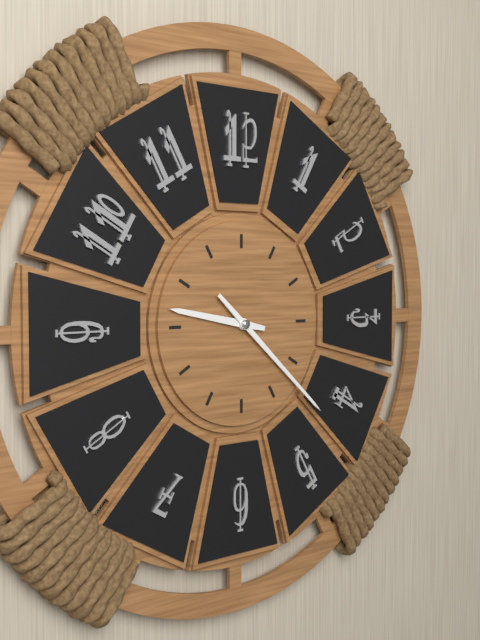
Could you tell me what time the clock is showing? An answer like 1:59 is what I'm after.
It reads 9:22
